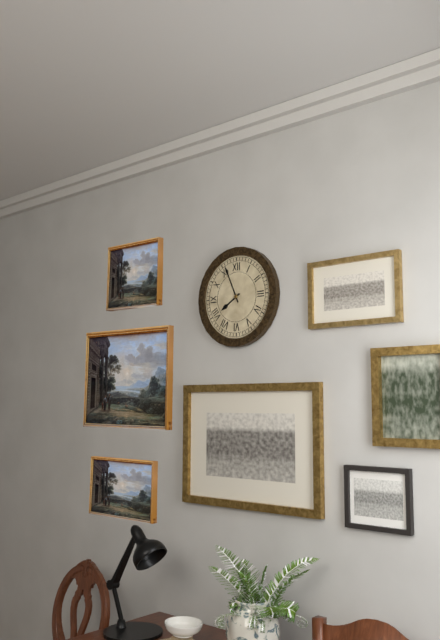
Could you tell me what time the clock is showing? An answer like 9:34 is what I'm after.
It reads 7:56
